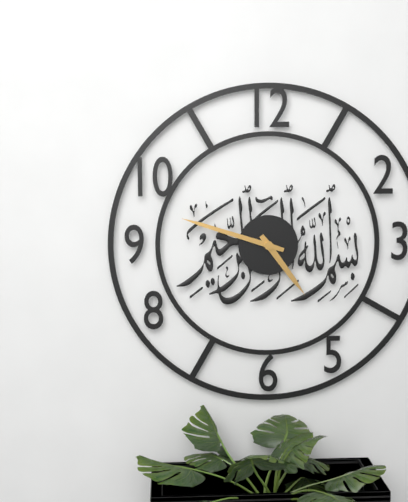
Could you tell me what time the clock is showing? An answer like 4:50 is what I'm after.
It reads 4:48
